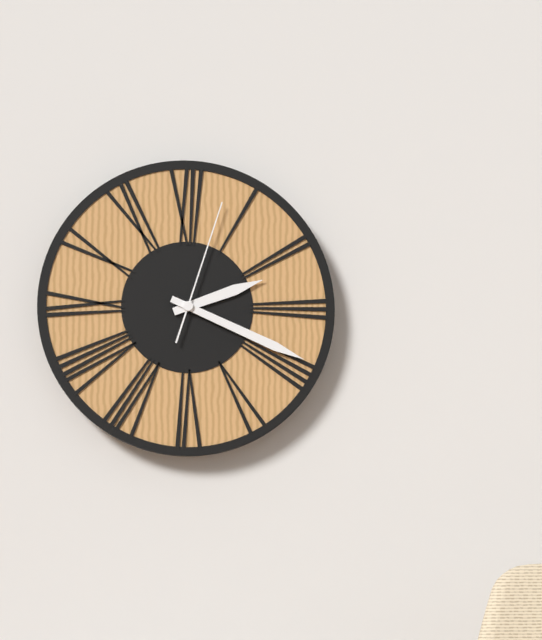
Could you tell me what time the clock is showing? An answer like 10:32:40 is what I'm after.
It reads 2:19:03
